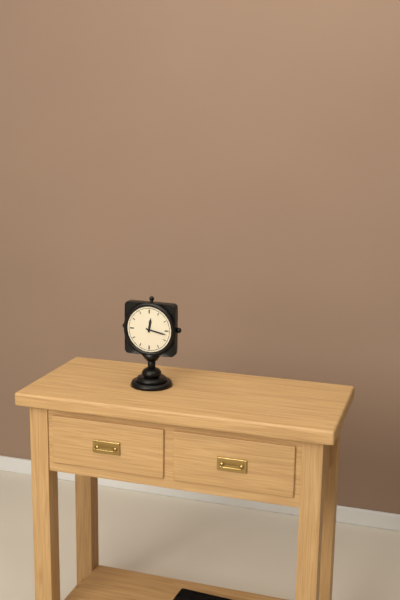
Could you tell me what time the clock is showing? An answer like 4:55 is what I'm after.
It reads 12:17
